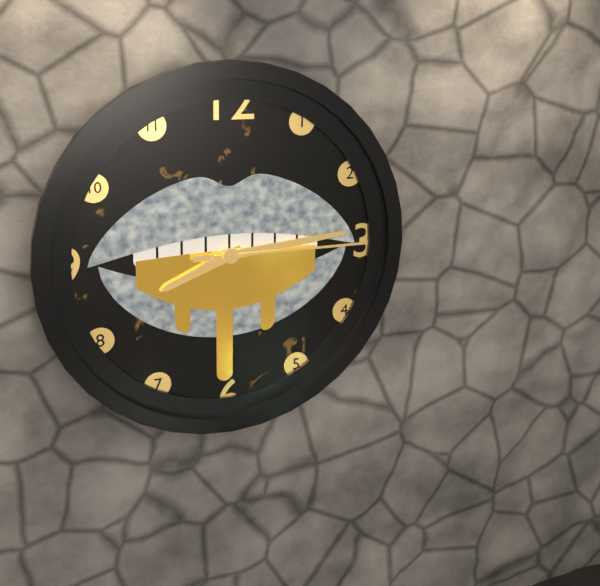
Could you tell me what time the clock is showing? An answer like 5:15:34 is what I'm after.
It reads 8:14:15
